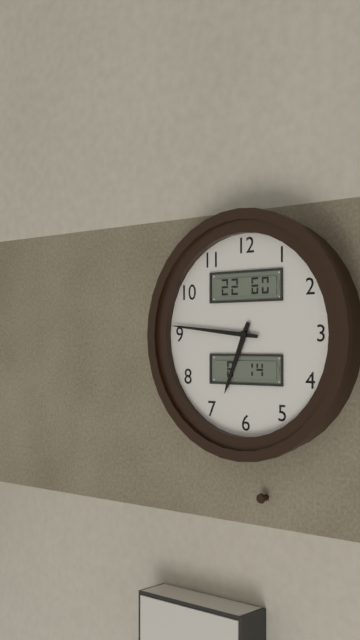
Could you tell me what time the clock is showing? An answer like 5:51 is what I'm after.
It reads 6:46
